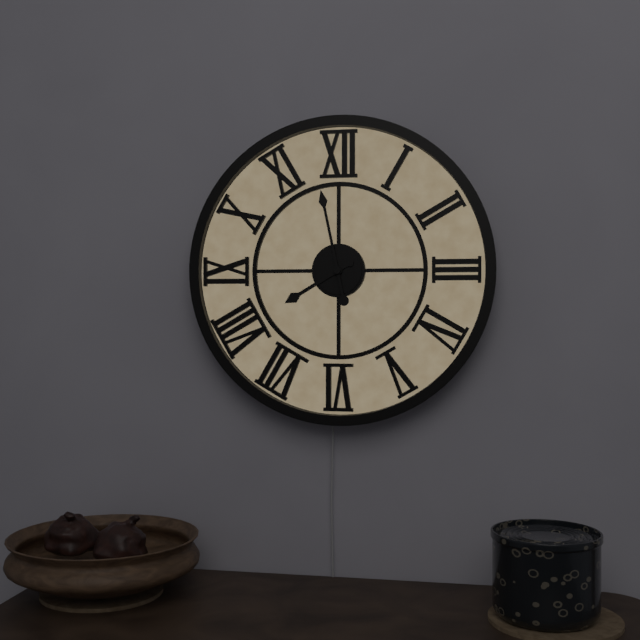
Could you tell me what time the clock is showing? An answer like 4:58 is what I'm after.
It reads 7:58
